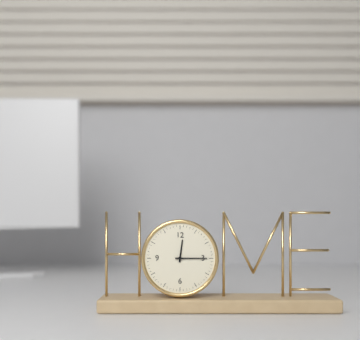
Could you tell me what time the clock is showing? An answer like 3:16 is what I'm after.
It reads 12:15
